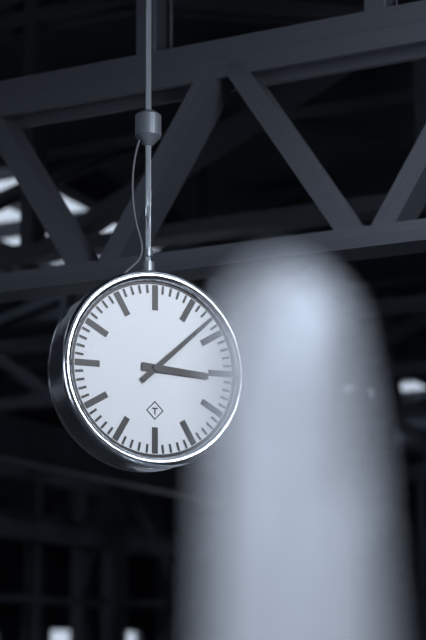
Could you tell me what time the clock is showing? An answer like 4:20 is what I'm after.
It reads 3:08
